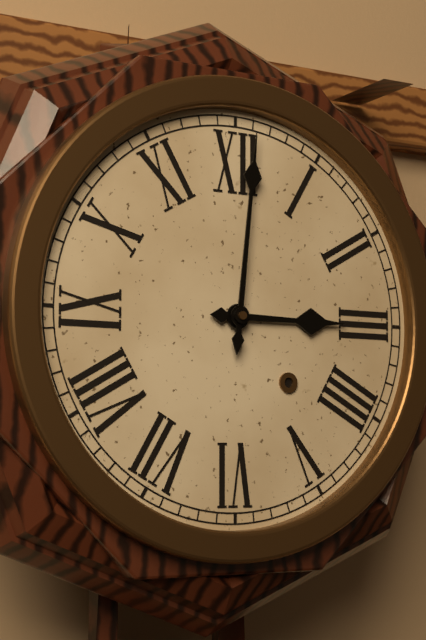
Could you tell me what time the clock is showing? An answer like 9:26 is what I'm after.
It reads 3:01
